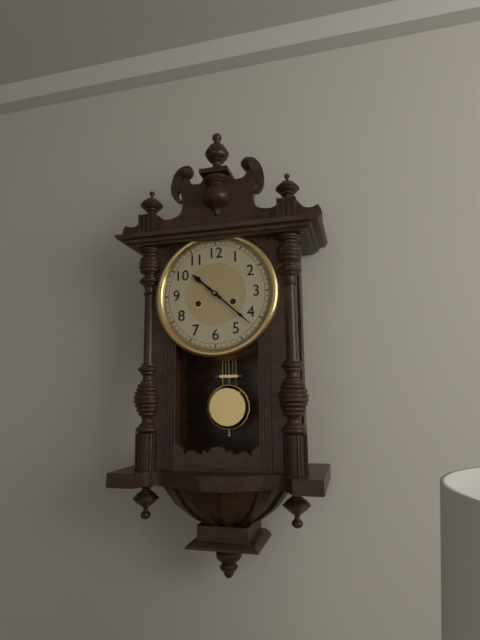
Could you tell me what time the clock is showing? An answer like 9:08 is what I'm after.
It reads 10:22
